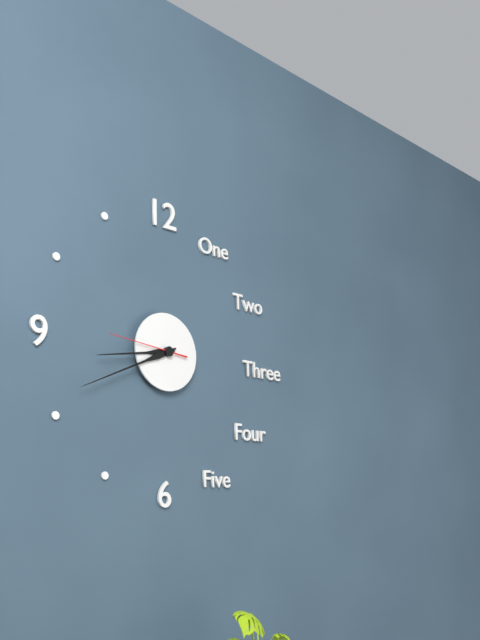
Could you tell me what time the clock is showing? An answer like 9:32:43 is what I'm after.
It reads 8:41:46
